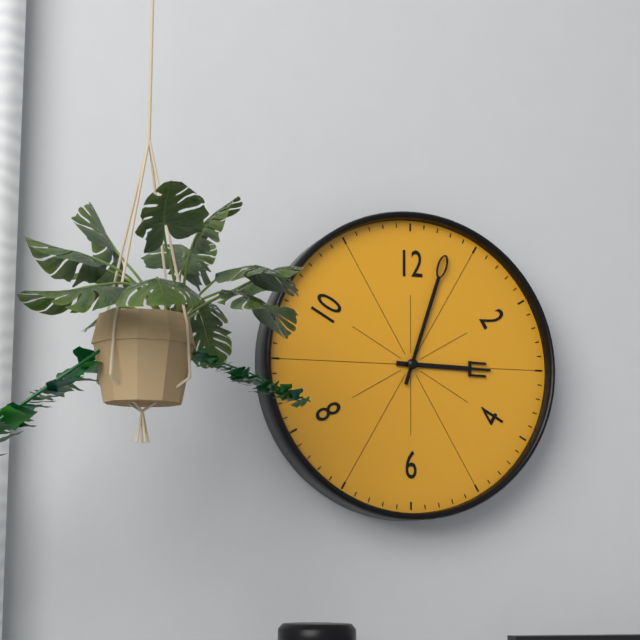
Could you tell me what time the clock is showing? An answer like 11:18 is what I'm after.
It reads 3:03
